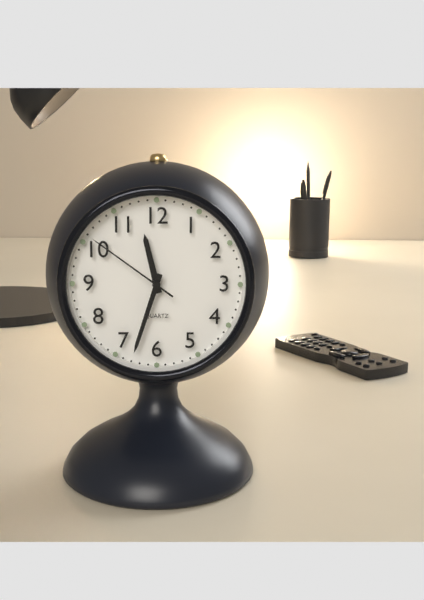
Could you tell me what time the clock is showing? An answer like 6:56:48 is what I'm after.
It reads 11:33:51
